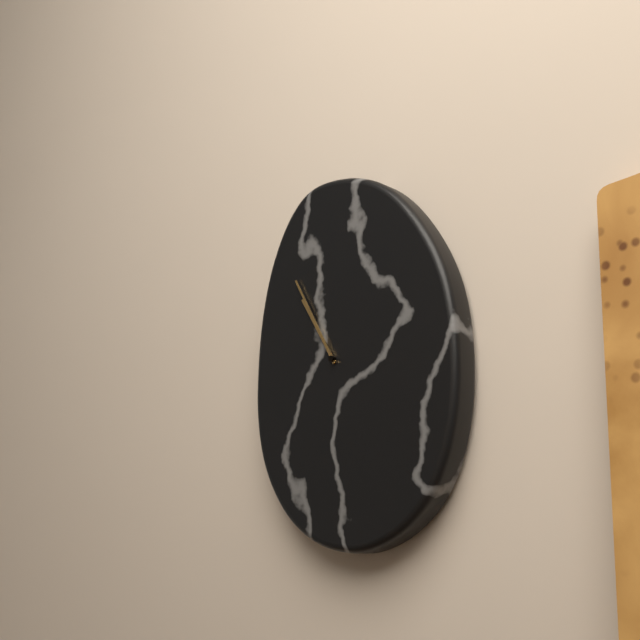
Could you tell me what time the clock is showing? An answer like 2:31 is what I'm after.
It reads 10:55
